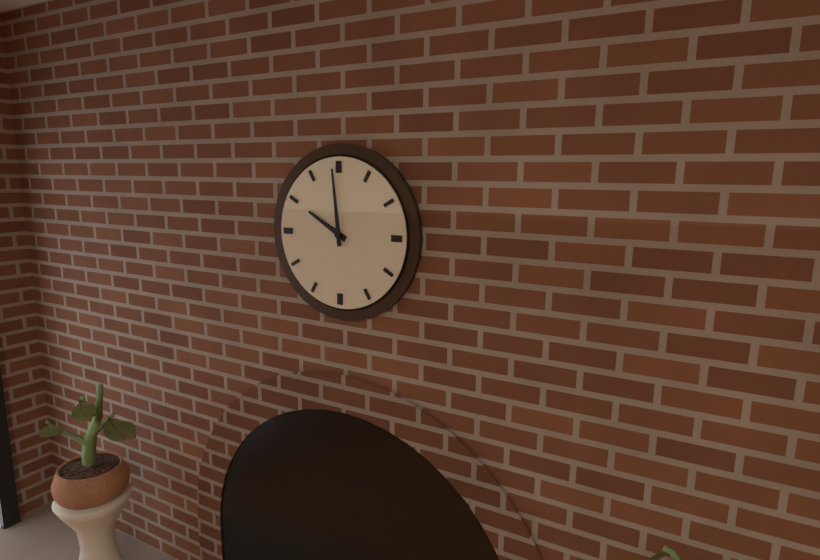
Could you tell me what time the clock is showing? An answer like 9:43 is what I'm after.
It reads 9:59
